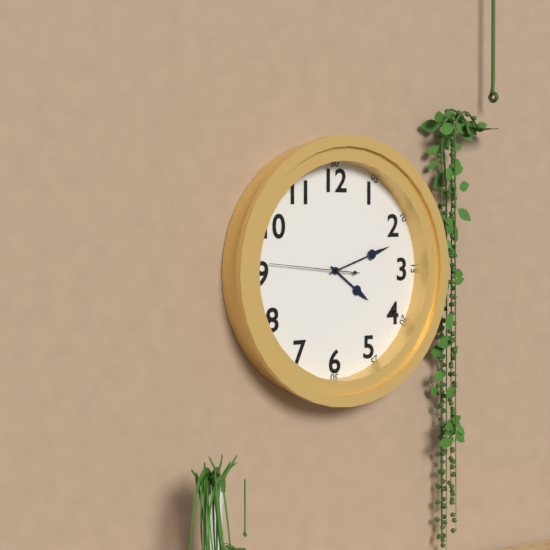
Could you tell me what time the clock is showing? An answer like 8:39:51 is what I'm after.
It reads 4:12:46
